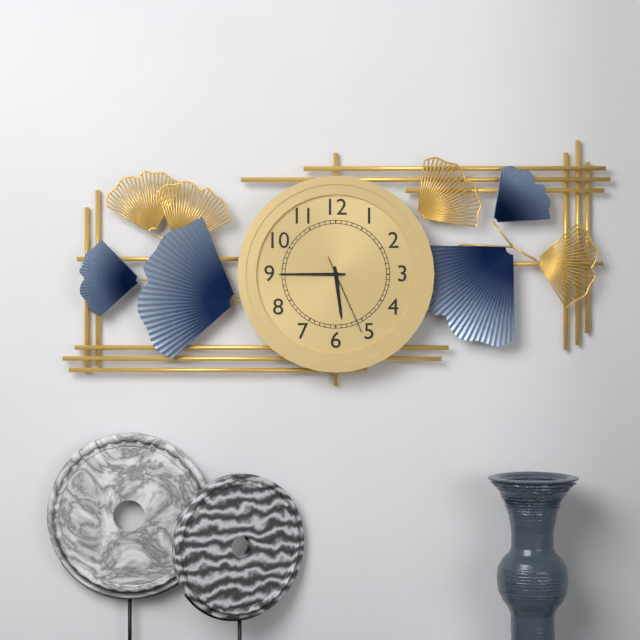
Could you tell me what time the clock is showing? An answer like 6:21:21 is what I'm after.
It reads 5:45:26
